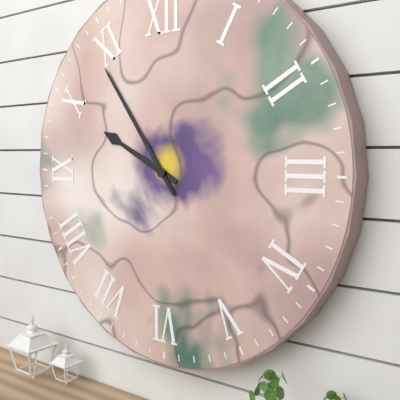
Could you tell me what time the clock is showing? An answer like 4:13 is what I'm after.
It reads 9:54
